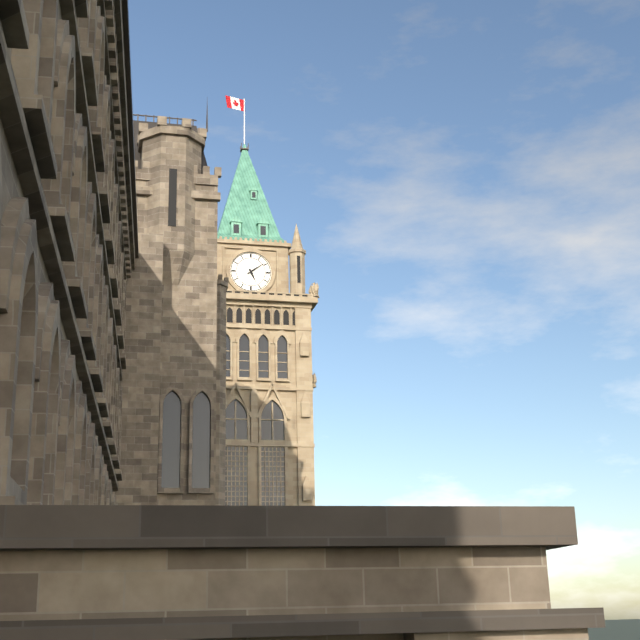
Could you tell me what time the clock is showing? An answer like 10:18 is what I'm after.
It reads 5:09
